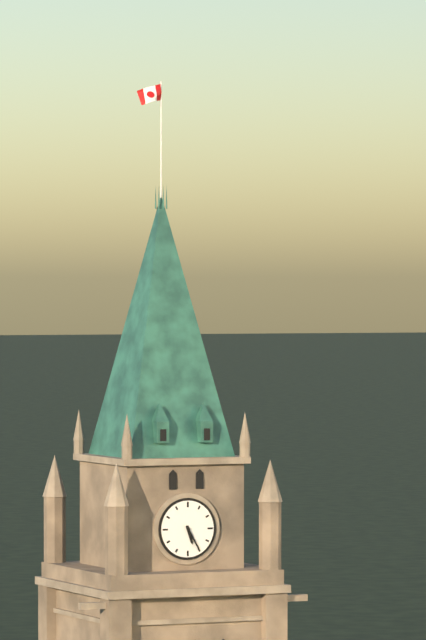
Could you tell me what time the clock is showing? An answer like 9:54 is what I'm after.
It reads 5:25
